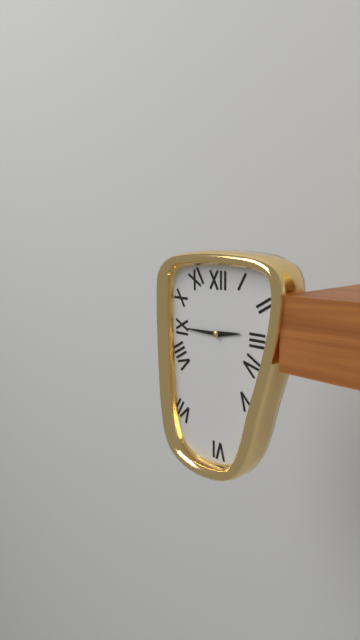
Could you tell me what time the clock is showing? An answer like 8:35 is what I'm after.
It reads 2:45
